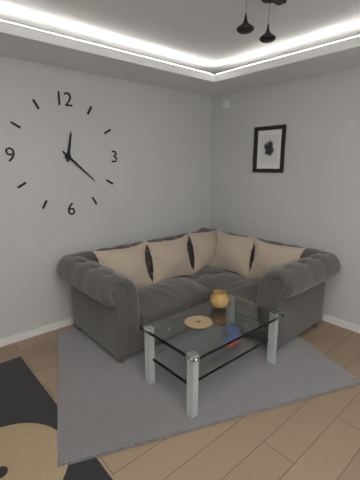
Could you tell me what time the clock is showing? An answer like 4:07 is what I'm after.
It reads 12:22
